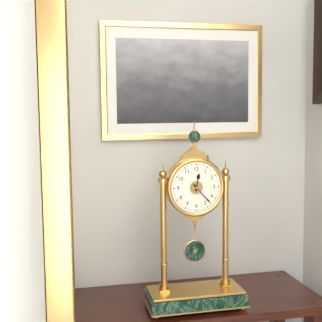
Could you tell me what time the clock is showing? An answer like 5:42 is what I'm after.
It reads 12:23
